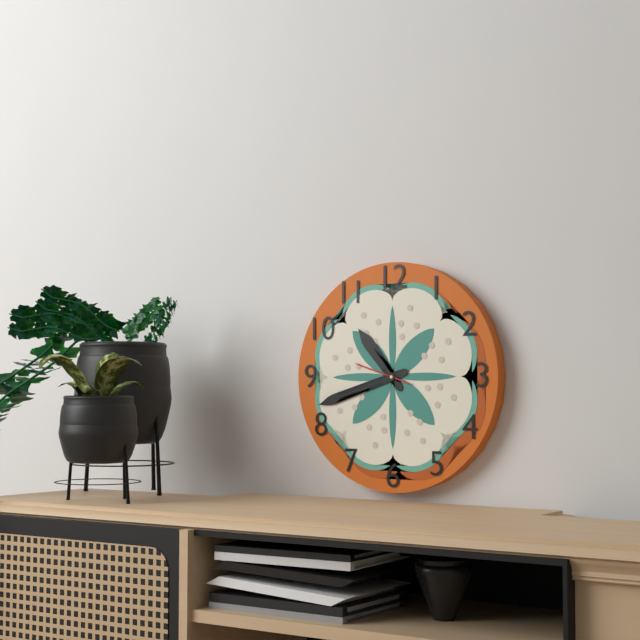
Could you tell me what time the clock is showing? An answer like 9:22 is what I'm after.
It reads 10:42
